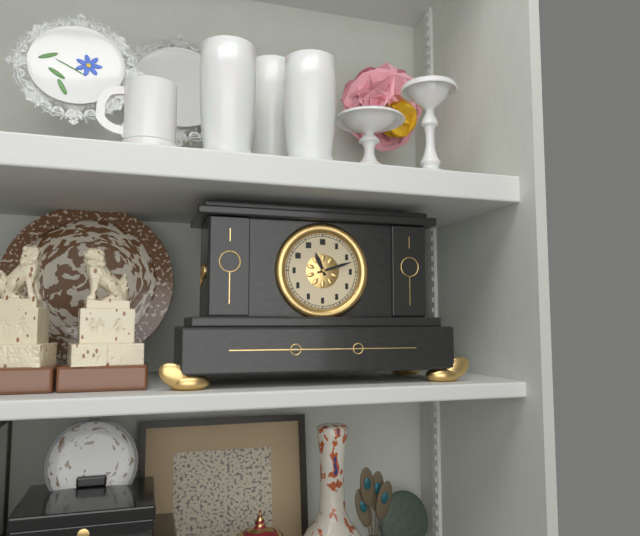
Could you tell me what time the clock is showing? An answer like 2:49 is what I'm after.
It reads 11:12
